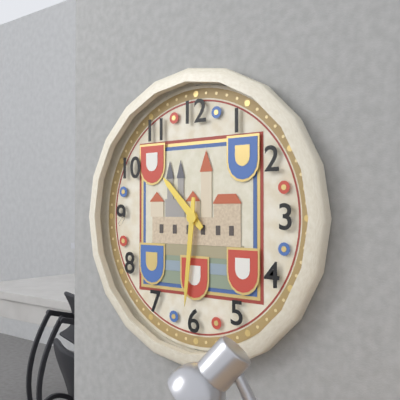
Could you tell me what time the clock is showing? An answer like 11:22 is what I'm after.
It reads 10:31
